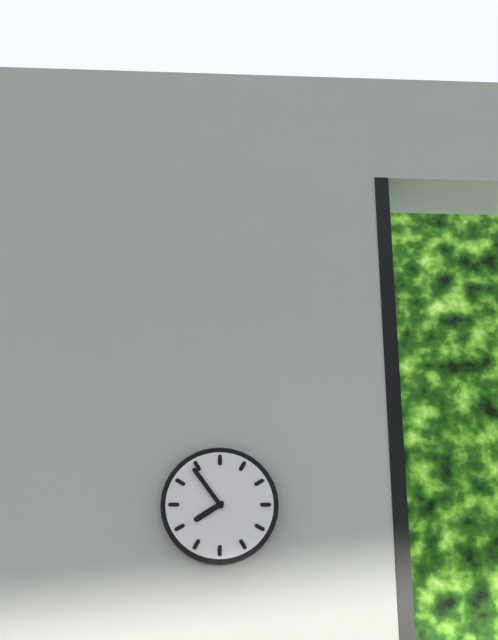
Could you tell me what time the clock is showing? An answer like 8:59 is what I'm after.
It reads 7:54
